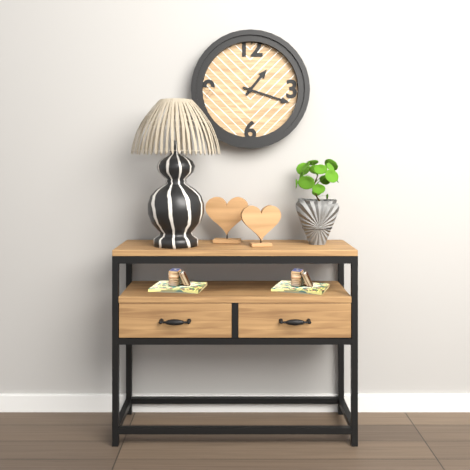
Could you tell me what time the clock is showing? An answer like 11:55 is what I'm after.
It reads 1:18
